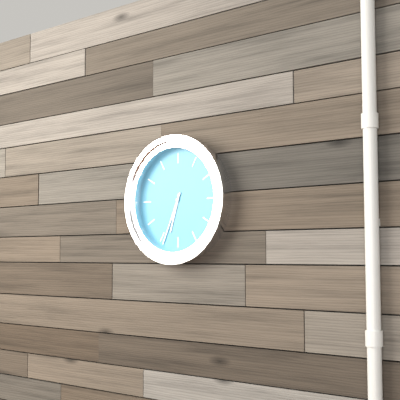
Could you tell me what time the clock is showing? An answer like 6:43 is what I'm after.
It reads 6:34
